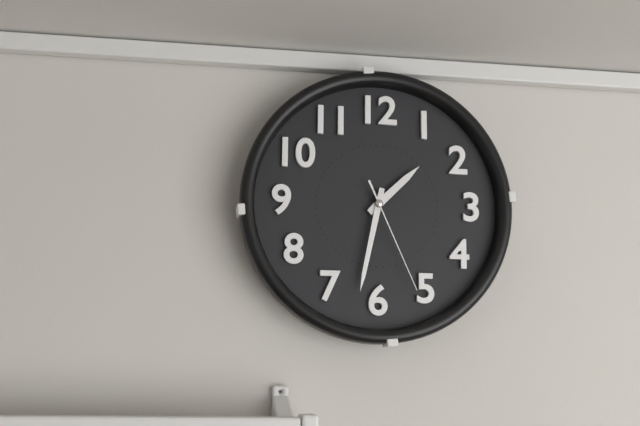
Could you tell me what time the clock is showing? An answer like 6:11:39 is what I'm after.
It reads 1:32:26
